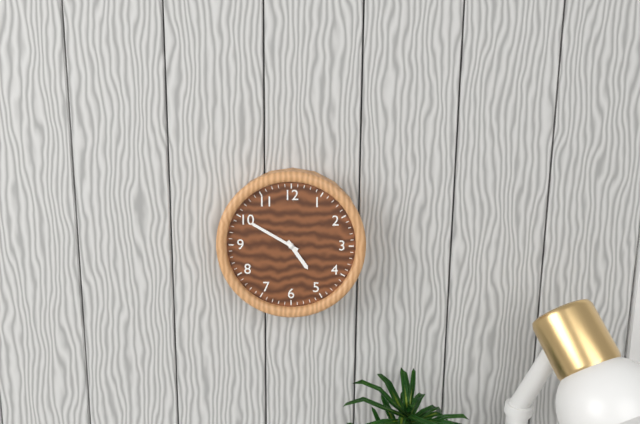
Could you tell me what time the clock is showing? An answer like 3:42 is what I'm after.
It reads 4:50
